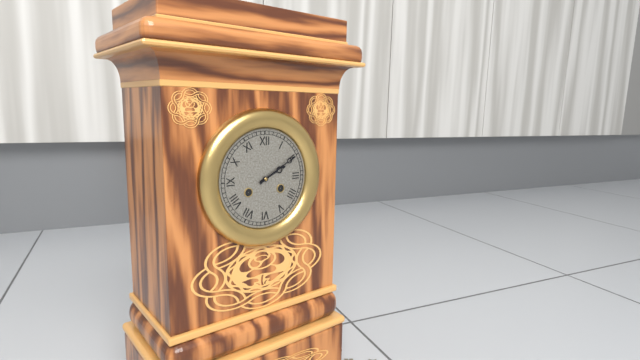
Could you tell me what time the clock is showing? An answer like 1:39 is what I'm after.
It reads 2:10
